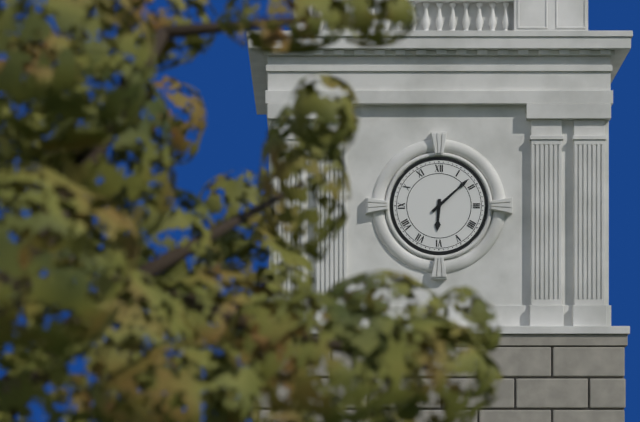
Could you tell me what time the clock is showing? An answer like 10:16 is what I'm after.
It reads 6:08
